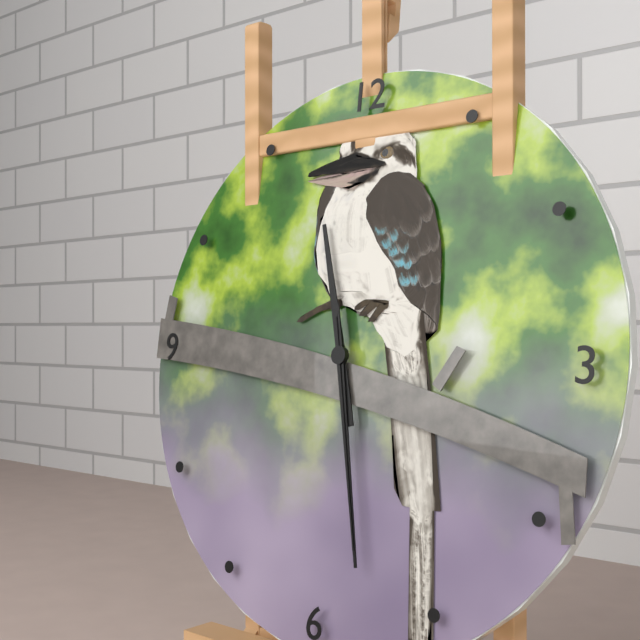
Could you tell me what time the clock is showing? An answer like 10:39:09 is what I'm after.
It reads 11:28:28
